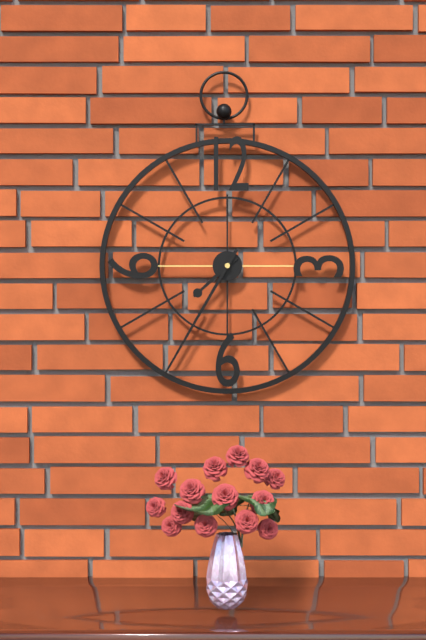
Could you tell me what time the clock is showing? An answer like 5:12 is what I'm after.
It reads 7:35
